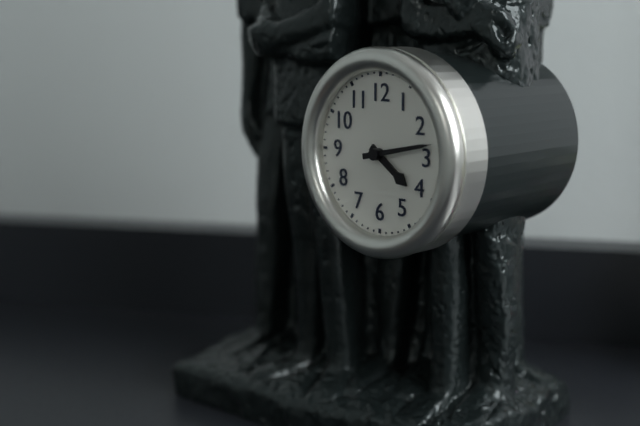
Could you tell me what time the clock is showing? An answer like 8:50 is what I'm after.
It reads 4:13
